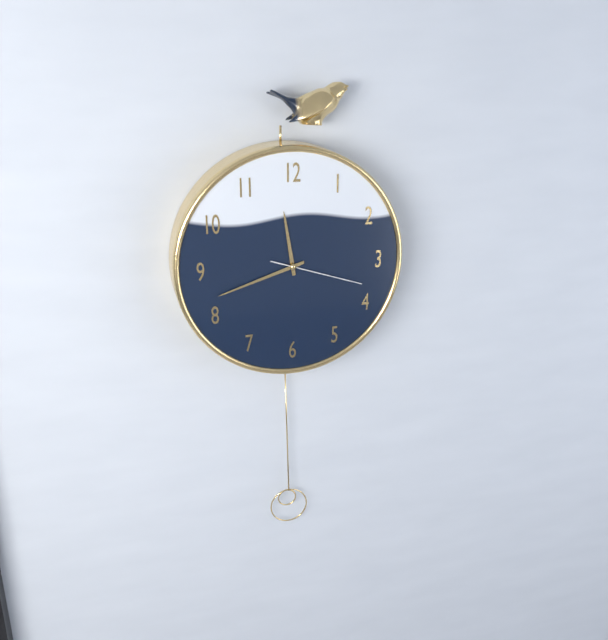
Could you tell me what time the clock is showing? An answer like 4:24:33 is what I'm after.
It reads 11:42:18
